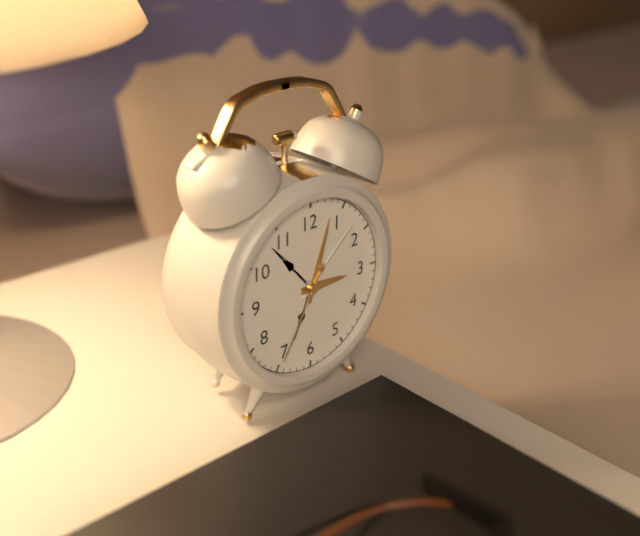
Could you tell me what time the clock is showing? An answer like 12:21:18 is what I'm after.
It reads 3:03:35
